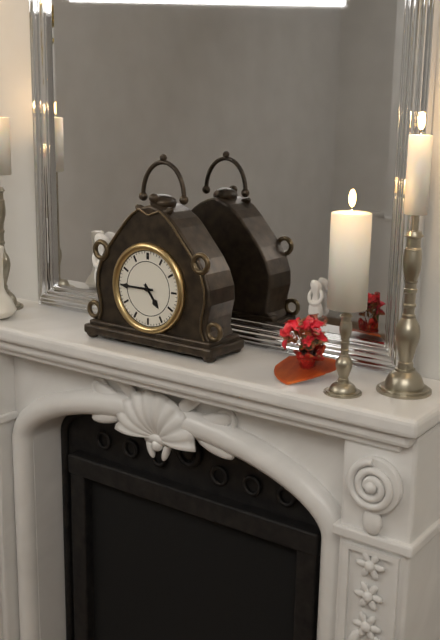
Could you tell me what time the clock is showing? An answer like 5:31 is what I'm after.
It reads 4:45
